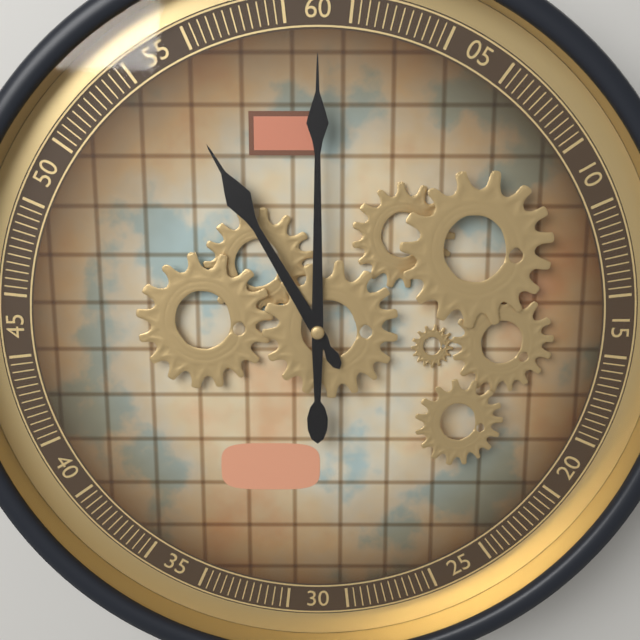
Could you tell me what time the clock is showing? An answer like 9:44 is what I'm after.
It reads 11:00
